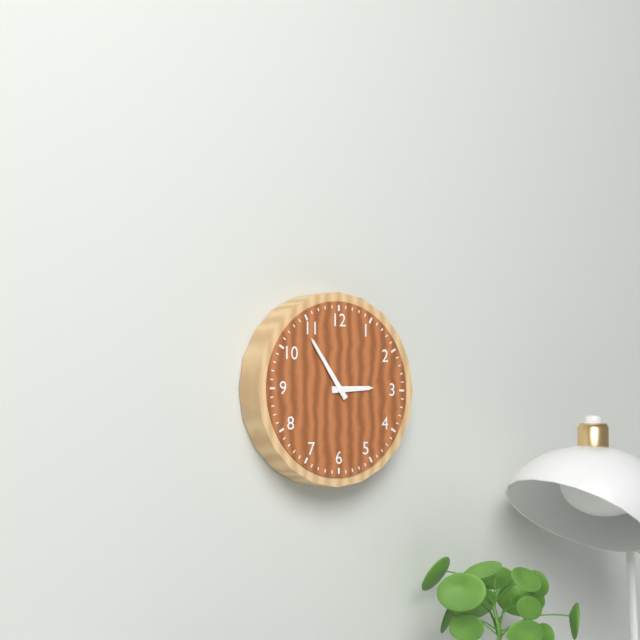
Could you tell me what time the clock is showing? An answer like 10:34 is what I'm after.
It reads 2:54
